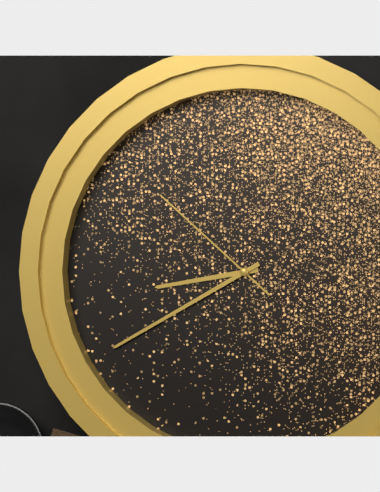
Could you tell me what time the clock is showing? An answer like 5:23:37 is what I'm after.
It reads 8:40:52
